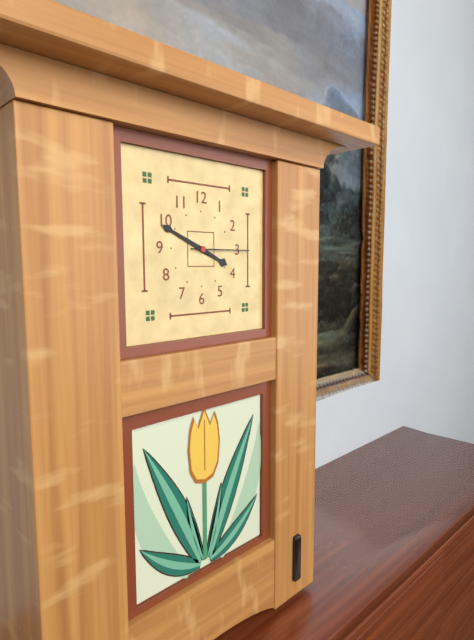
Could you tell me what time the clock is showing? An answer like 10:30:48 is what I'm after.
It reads 3:49:15
